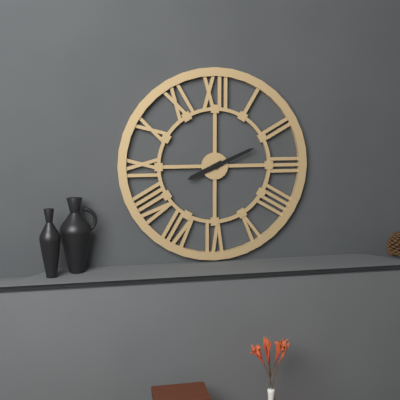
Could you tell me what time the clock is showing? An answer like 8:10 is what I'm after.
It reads 8:11
